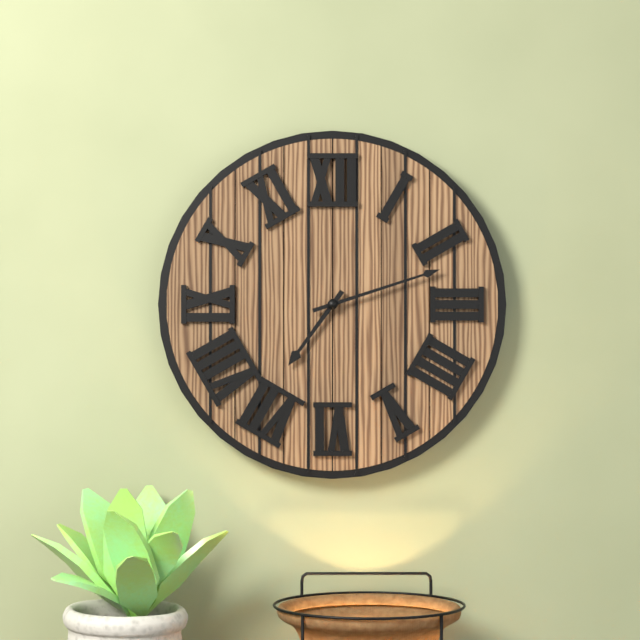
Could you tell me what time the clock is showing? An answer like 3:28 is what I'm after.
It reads 7:12
